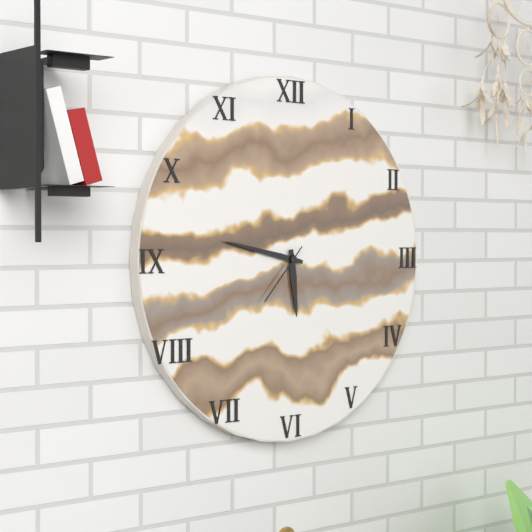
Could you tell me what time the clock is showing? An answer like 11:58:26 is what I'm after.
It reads 5:47:37
